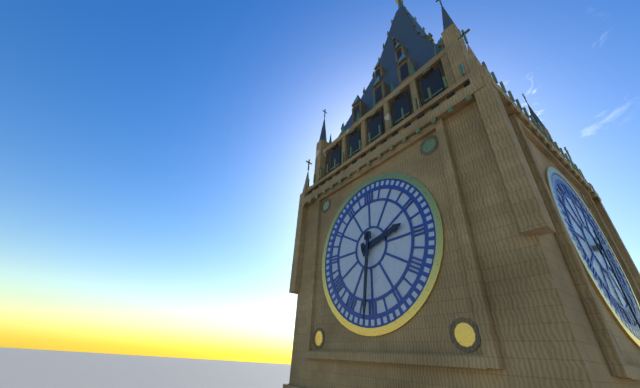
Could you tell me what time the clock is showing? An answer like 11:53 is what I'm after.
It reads 2:31
